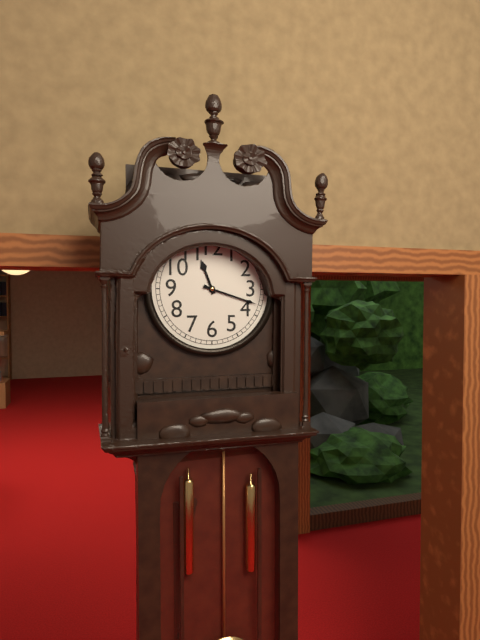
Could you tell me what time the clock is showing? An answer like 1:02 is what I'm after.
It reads 11:18
